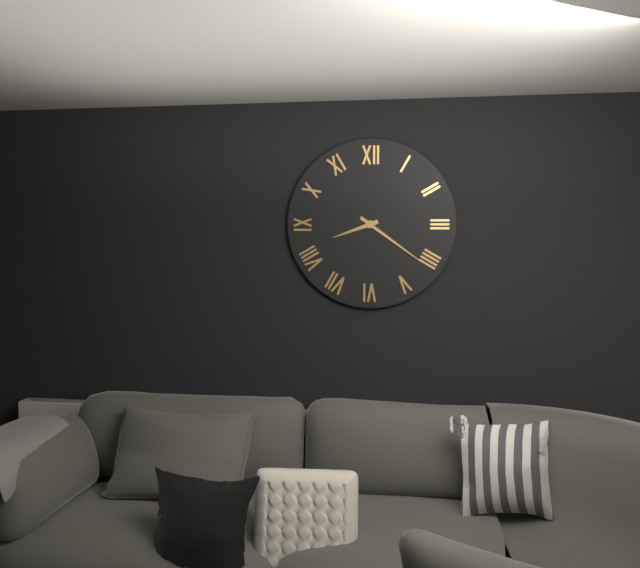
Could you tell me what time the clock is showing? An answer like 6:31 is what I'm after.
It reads 8:21
